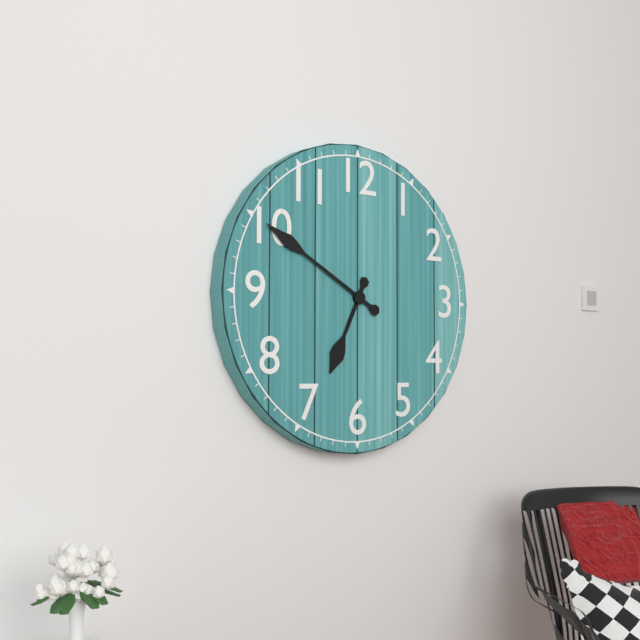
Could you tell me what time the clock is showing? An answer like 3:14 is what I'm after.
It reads 6:50
